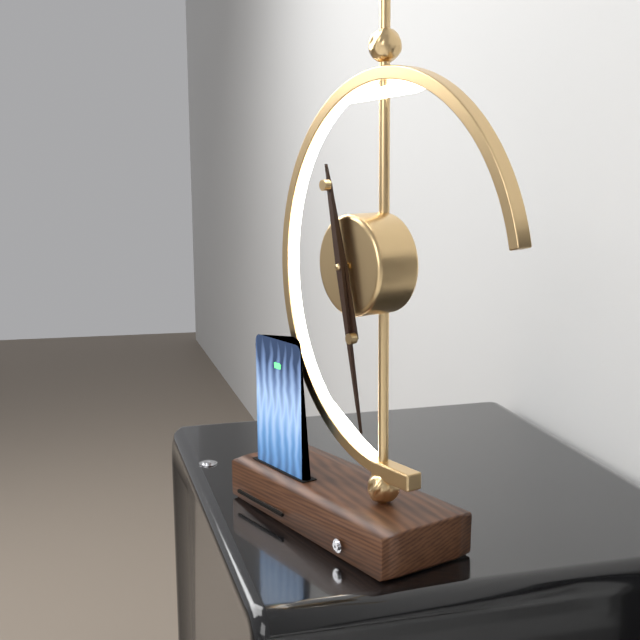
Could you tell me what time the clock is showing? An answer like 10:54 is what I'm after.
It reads 11:28
